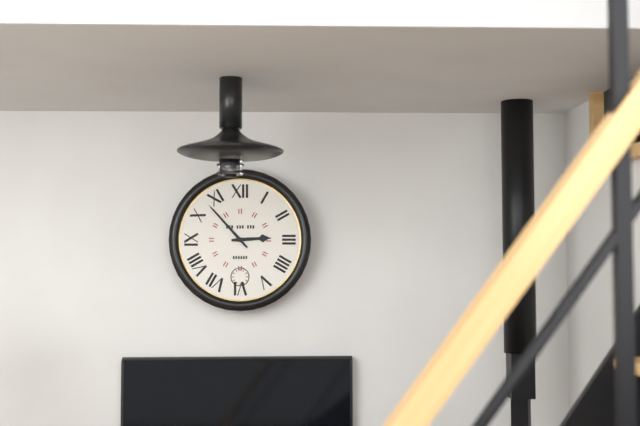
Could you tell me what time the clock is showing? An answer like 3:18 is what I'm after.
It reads 2:53
